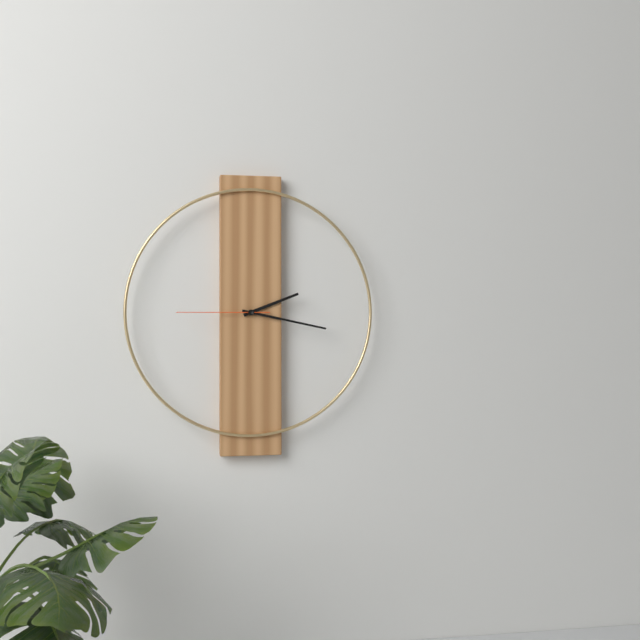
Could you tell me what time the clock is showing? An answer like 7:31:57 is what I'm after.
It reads 2:17:45
